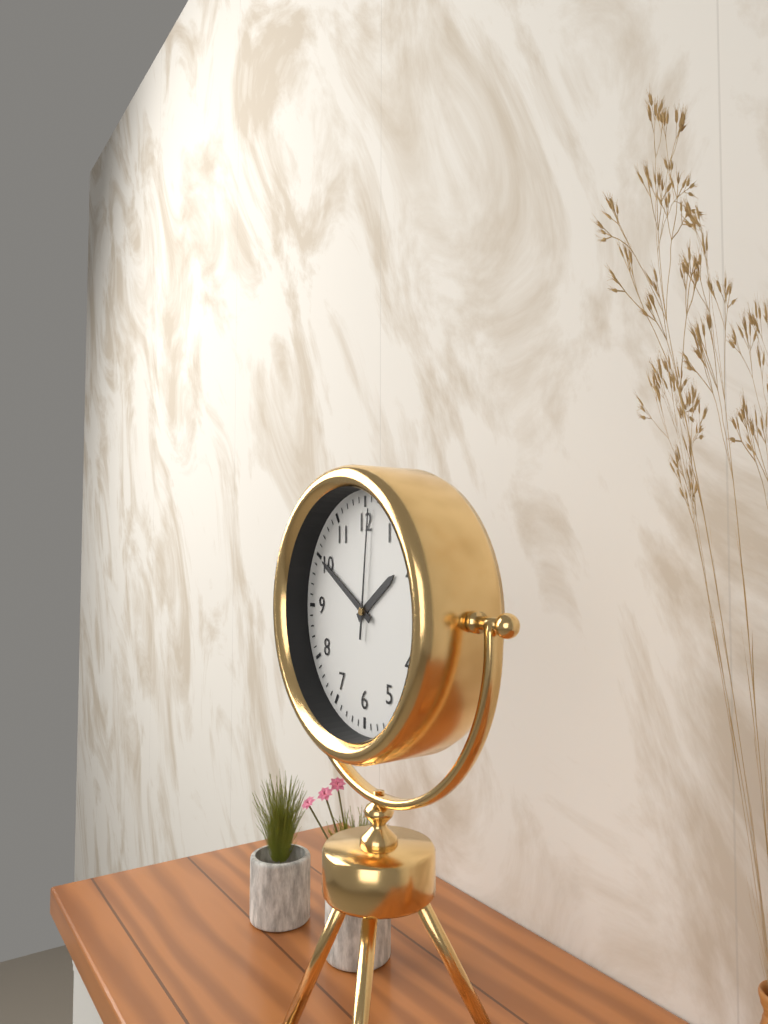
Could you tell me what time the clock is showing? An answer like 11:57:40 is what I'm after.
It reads 1:50:01
